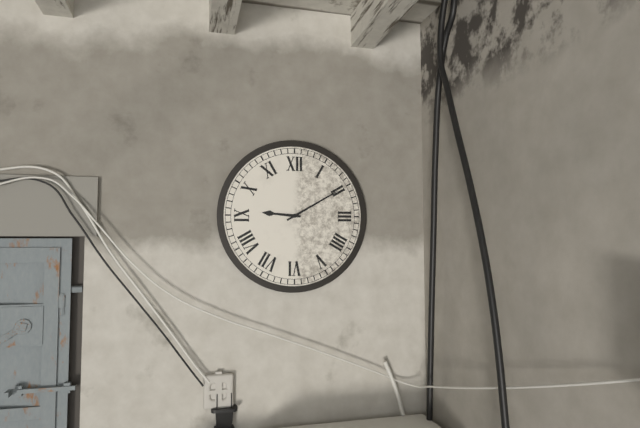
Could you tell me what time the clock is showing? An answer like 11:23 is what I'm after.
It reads 9:10
